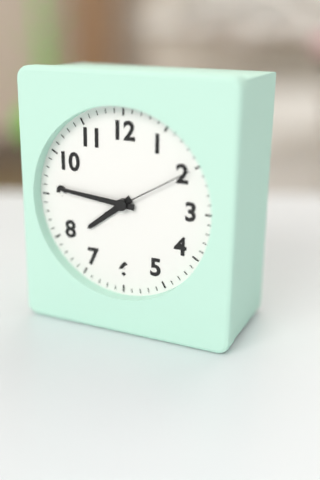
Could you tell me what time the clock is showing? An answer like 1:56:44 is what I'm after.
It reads 7:46:10
